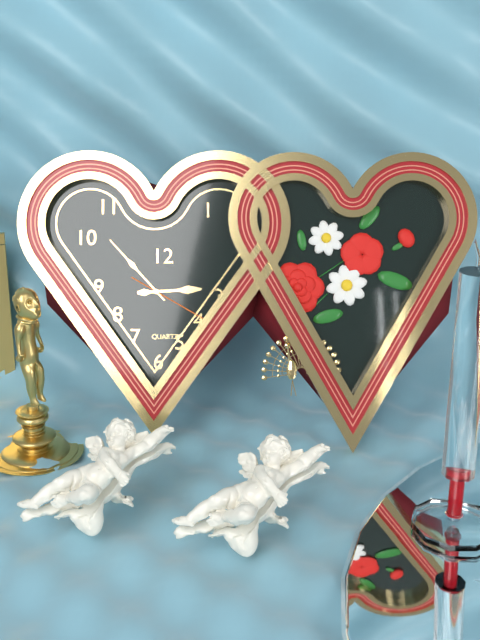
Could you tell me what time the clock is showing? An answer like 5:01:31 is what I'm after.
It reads 2:53:20
